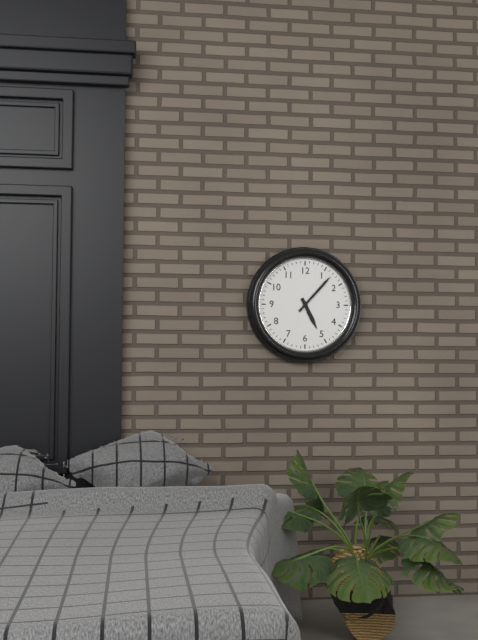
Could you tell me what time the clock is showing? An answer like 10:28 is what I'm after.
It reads 5:07
